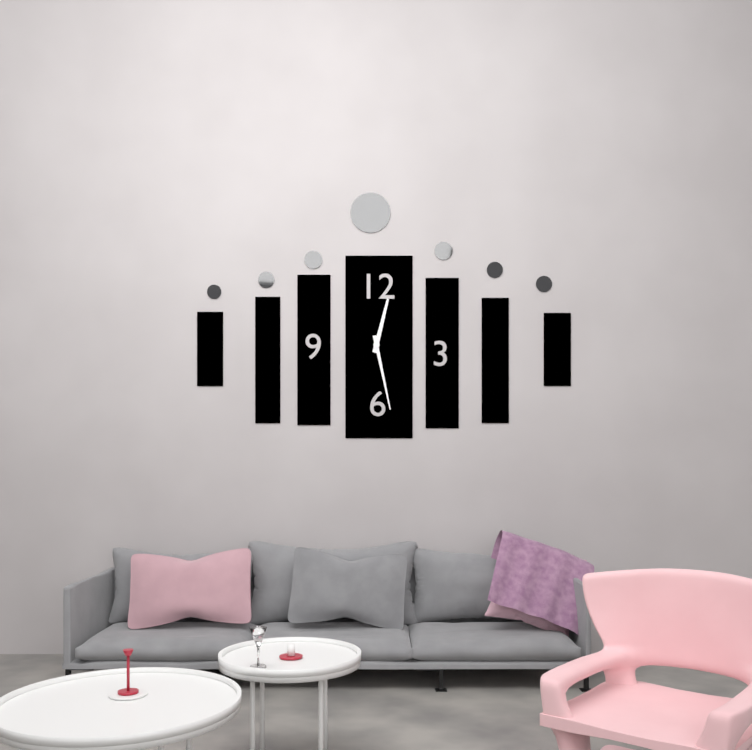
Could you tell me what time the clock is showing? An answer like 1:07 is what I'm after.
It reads 12:28
